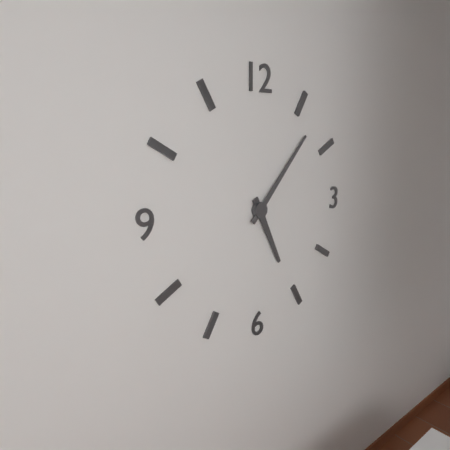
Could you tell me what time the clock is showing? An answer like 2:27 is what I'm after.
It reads 5:07
